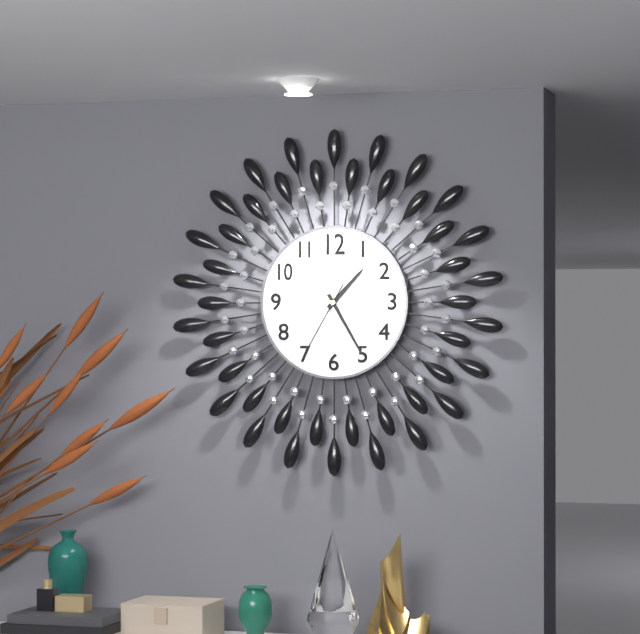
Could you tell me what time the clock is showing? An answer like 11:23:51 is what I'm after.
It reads 1:25:35
